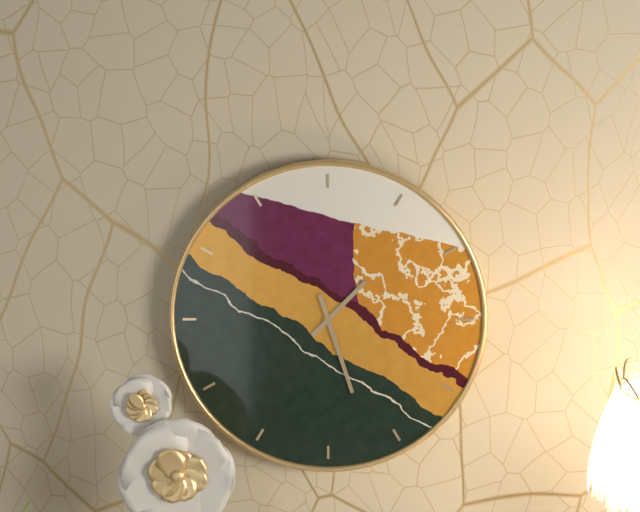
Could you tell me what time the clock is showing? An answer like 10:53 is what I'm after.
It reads 1:27
